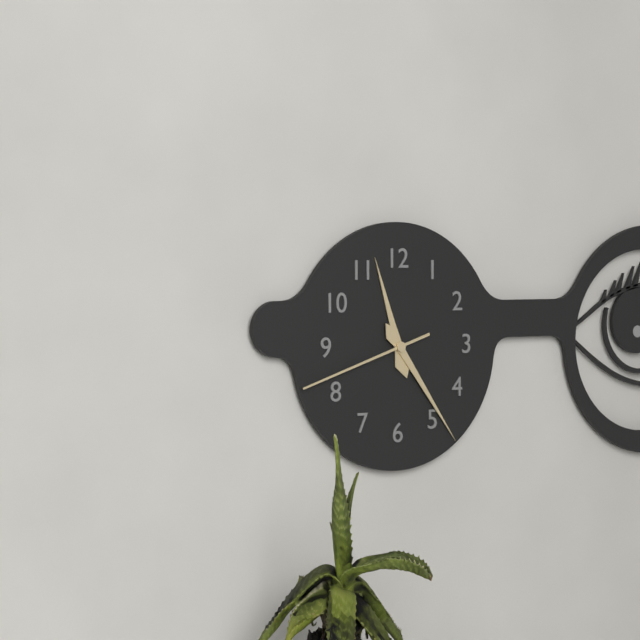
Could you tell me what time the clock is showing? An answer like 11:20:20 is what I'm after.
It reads 11:24:42
